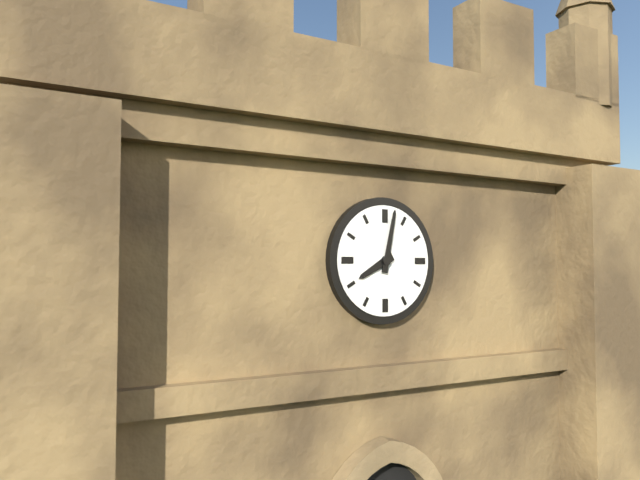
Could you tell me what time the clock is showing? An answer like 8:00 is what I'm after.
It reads 8:02
